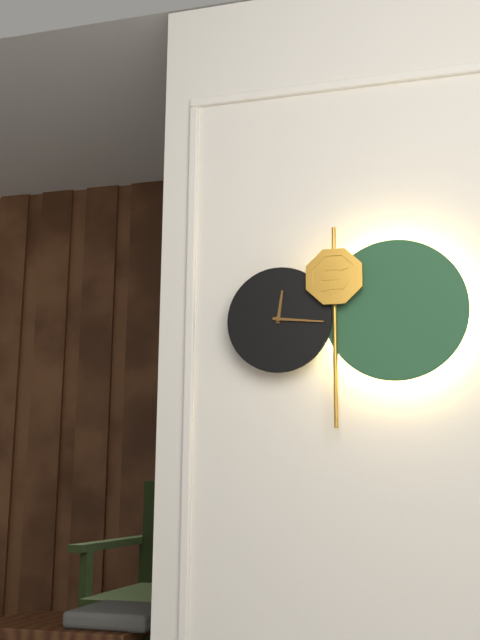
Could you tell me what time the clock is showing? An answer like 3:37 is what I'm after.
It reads 12:16
